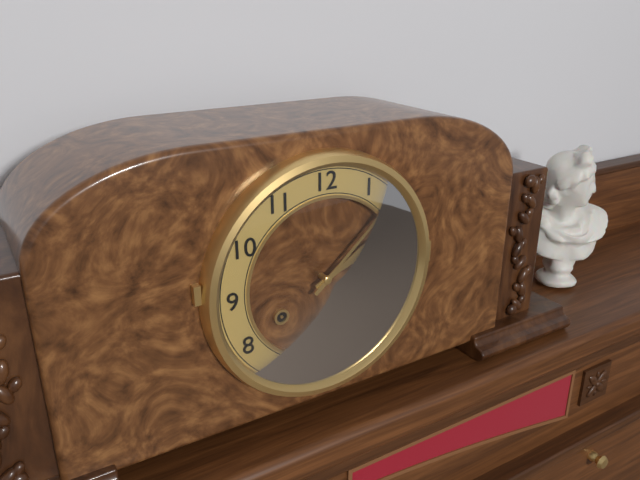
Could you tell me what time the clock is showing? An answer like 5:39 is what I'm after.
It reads 2:08
